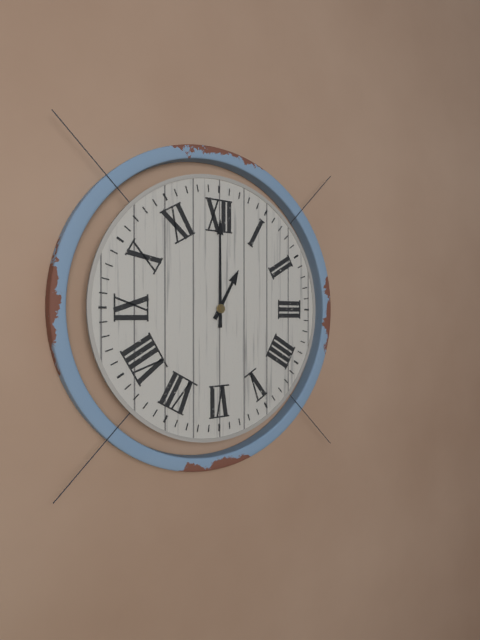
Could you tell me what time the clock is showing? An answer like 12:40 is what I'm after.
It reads 1:00
